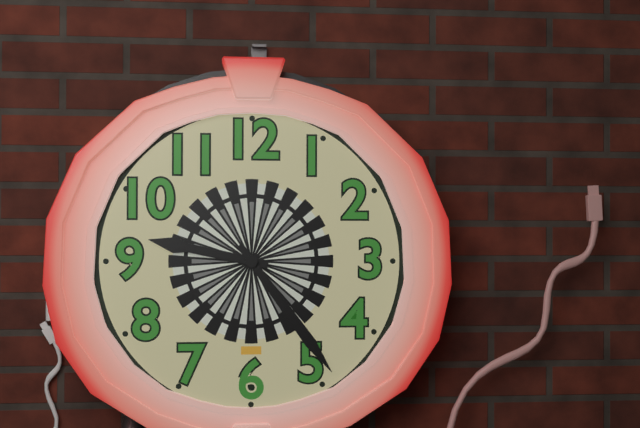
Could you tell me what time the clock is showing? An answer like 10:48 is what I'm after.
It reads 9:24
